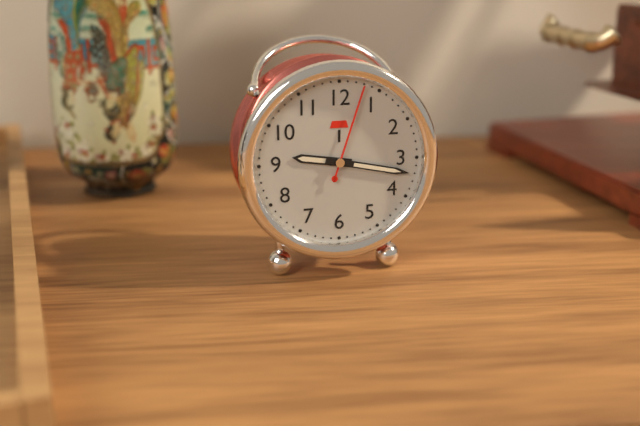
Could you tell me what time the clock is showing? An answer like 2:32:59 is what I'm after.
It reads 9:17:03
